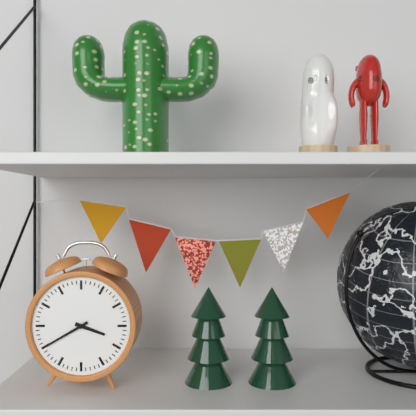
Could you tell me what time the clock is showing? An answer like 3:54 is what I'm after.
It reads 3:40
